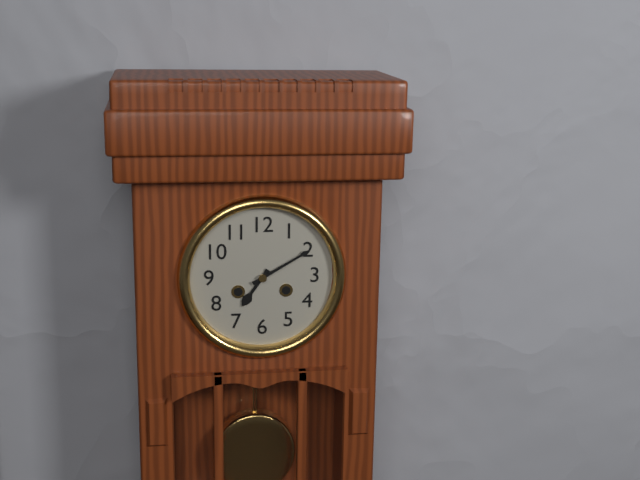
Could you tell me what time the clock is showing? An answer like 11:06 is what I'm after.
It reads 7:10
